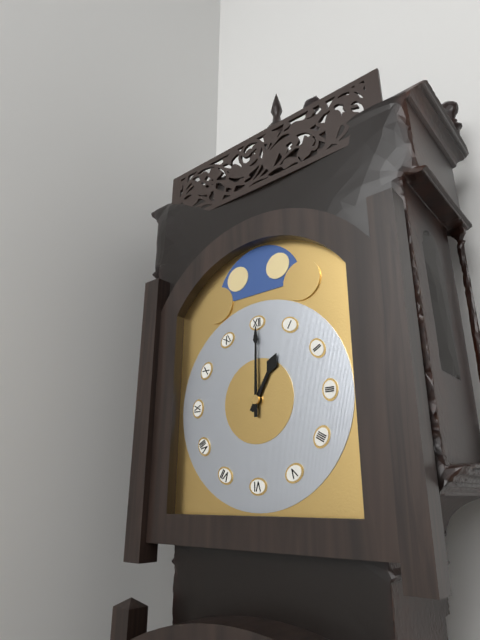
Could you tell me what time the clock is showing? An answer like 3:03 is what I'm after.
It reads 1:00
